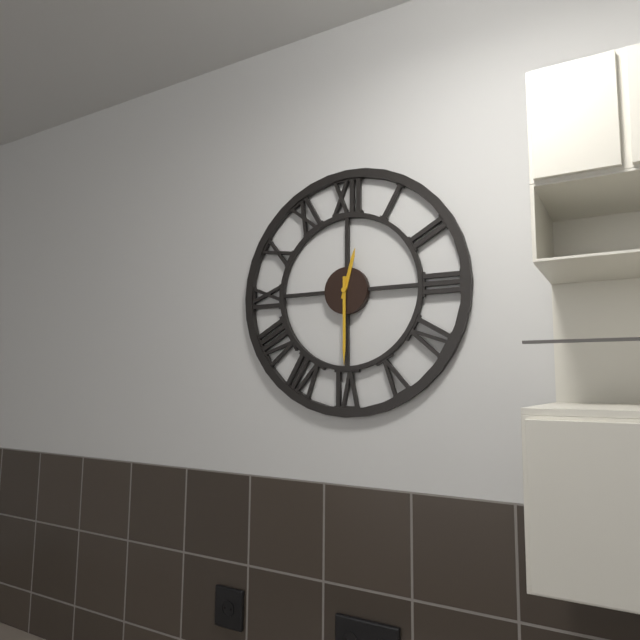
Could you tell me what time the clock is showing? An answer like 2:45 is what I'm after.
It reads 12:30
